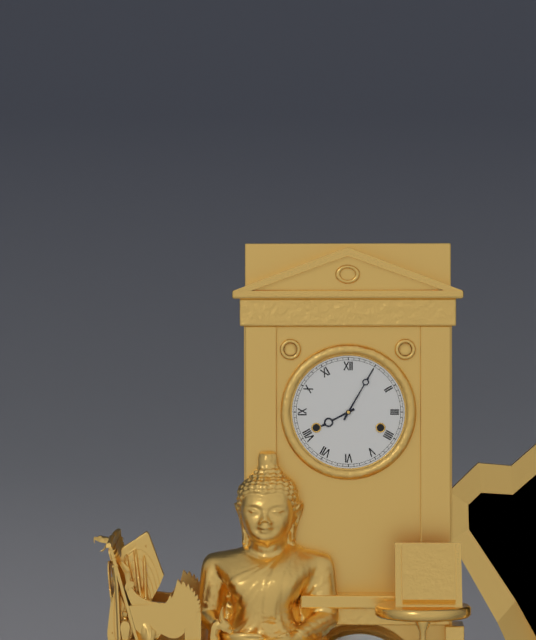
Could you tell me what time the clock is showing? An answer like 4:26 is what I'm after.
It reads 8:05
